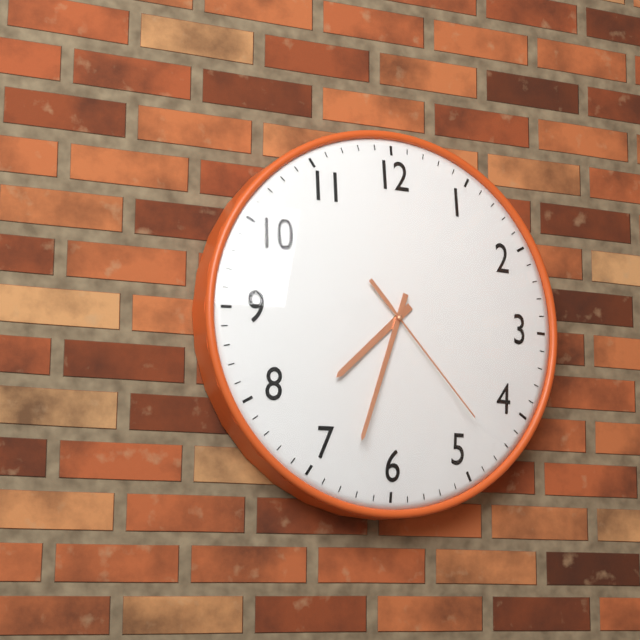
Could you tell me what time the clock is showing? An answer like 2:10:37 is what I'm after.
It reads 7:33:23
